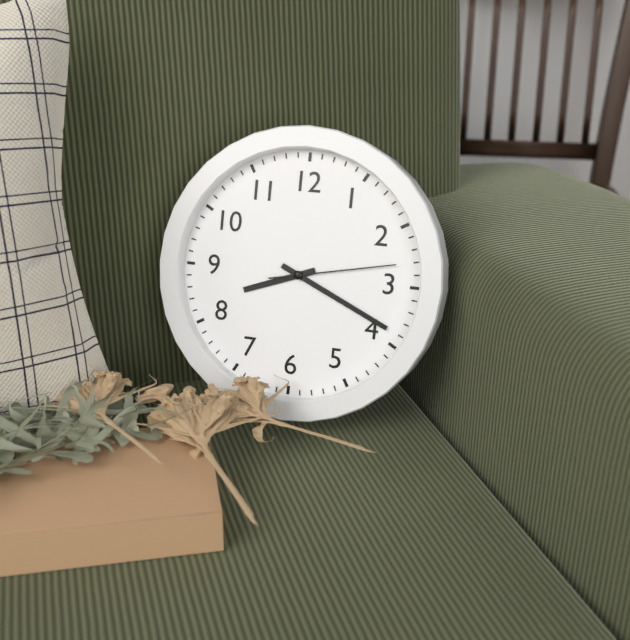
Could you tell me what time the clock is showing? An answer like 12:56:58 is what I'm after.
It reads 8:19:13
